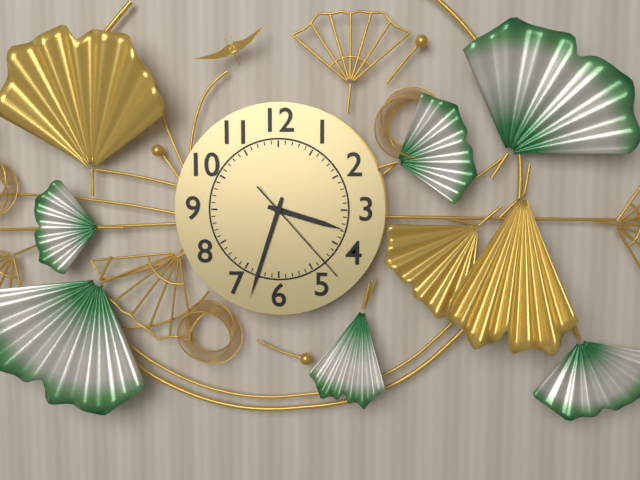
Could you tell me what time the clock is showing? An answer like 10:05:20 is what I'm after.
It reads 3:33:23
